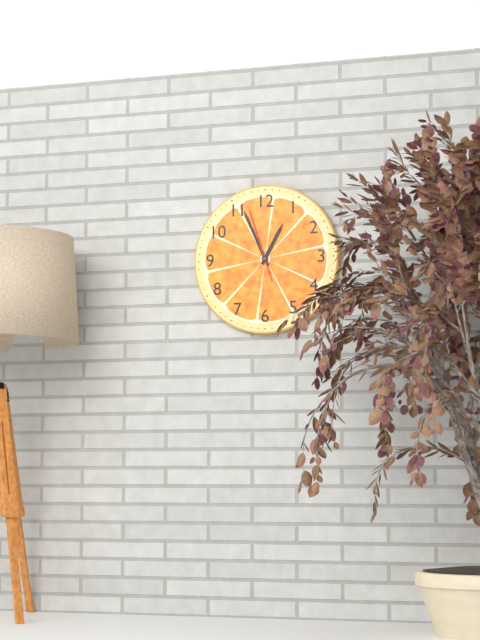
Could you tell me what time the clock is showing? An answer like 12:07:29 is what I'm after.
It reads 12:56:57
